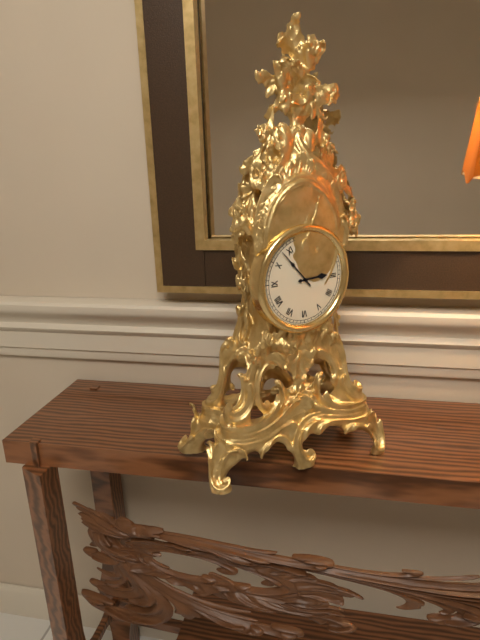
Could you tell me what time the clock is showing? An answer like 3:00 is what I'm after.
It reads 2:53
